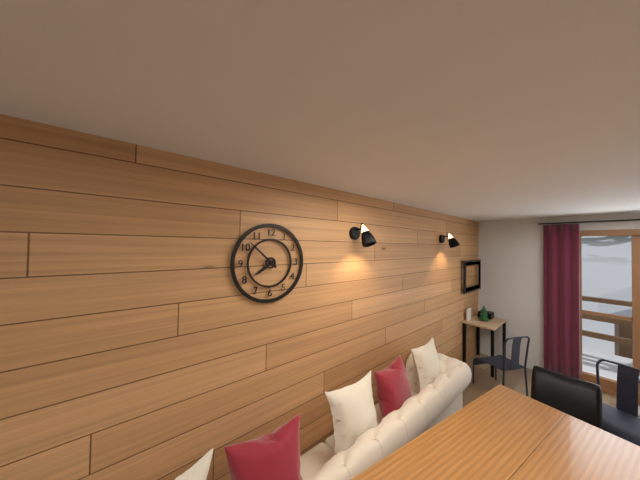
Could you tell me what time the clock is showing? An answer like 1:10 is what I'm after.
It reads 7:52
